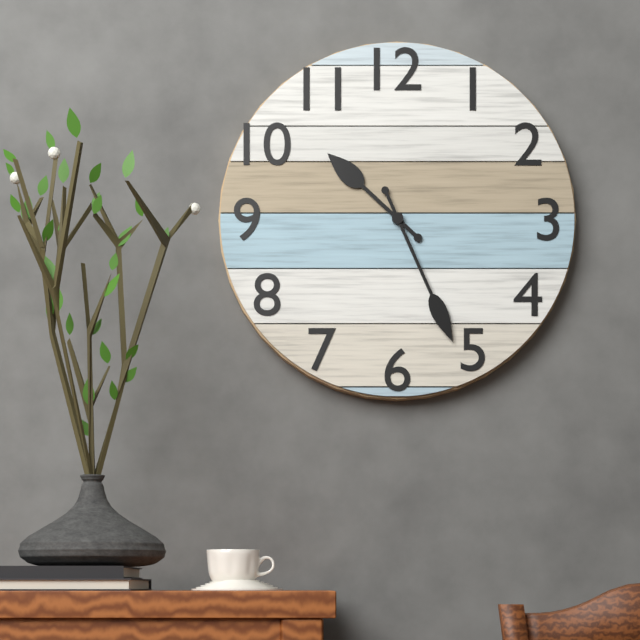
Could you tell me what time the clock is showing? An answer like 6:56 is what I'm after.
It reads 10:26
